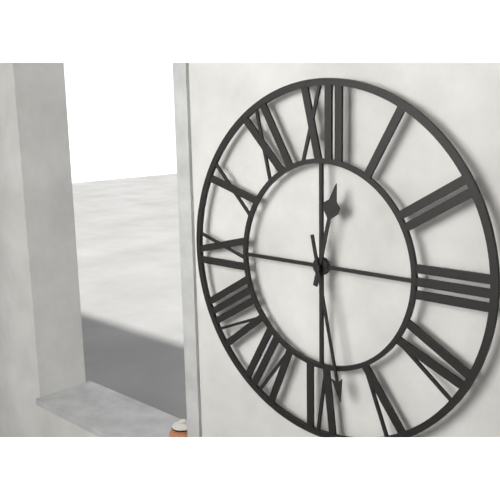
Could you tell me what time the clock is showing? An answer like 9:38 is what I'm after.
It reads 12:28
